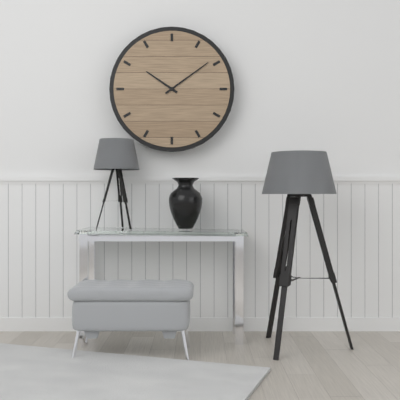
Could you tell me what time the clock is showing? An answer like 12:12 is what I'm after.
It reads 10:09
